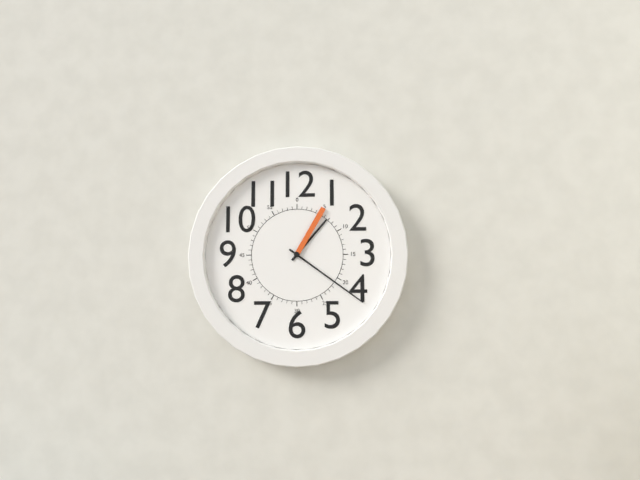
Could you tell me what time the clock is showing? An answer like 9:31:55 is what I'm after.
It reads 1:21:05
